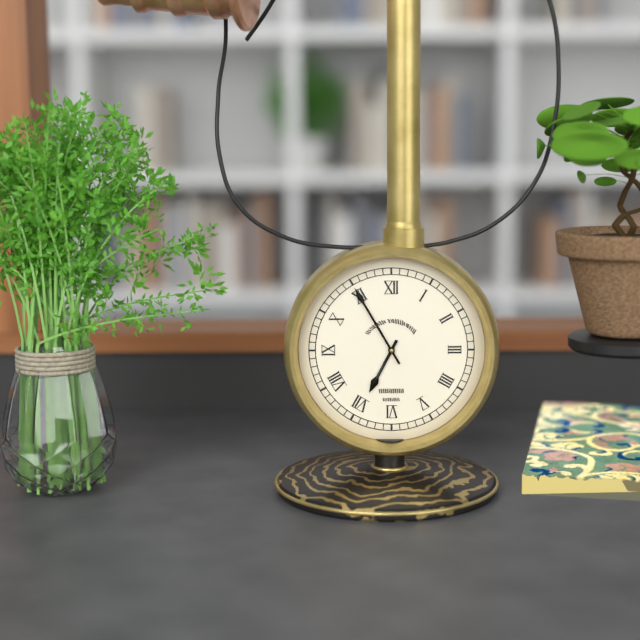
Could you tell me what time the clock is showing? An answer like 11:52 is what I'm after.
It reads 6:55
